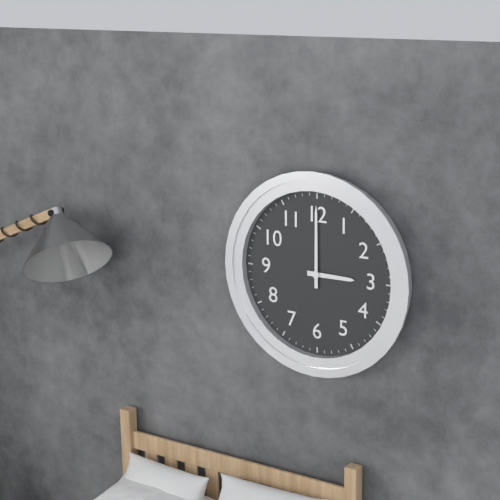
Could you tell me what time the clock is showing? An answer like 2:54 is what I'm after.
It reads 3:00
